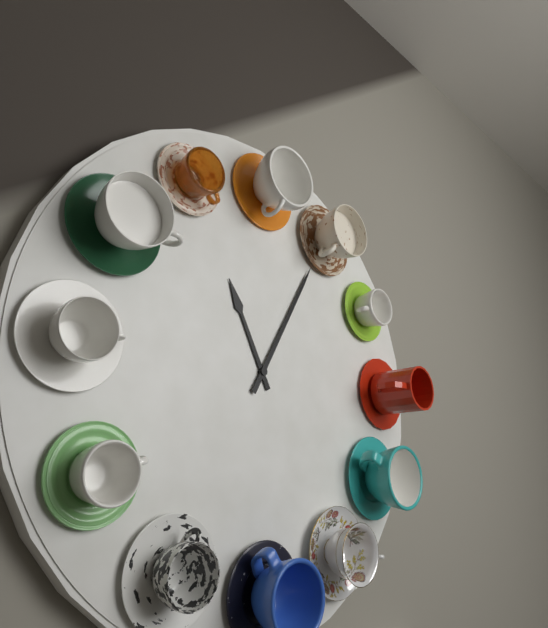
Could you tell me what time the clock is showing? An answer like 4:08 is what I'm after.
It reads 11:05
